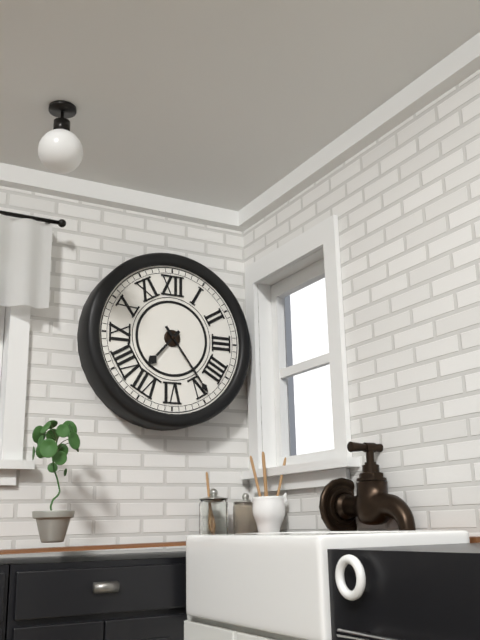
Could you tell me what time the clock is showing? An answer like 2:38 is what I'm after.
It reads 7:24
